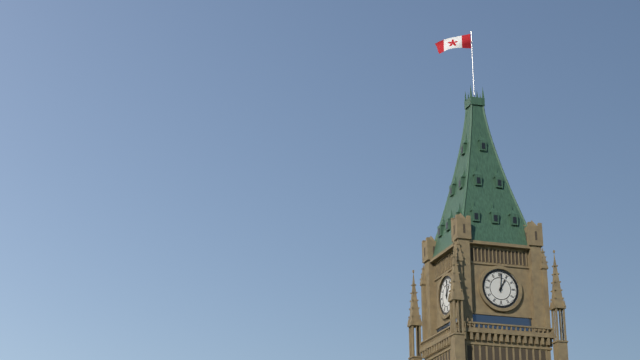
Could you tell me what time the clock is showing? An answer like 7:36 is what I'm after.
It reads 1:01
